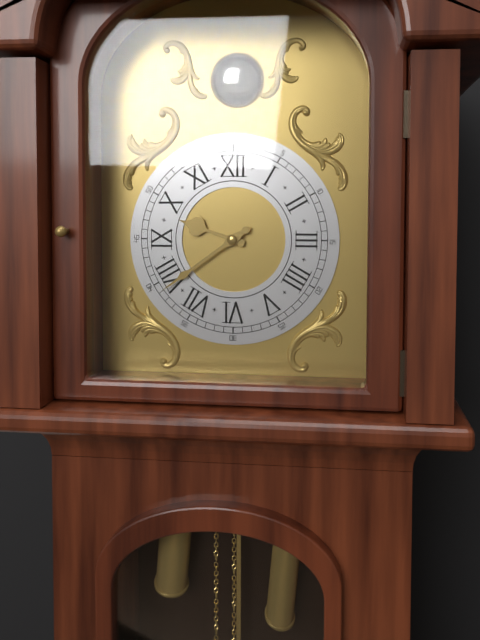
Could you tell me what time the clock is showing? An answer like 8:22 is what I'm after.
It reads 9:39
